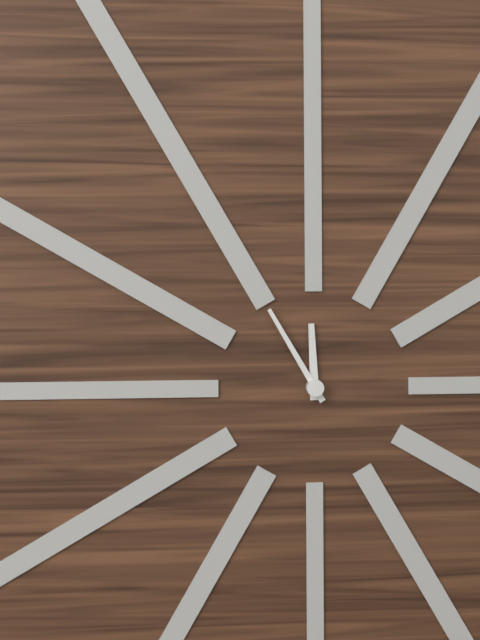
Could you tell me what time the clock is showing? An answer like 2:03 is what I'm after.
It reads 11:55
